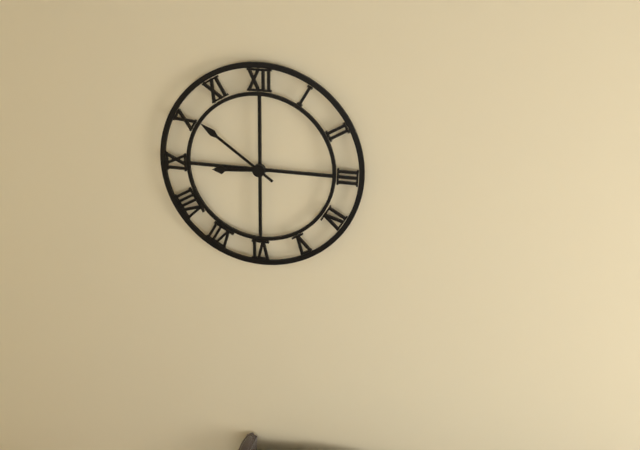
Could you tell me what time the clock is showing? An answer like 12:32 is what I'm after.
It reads 8:51
